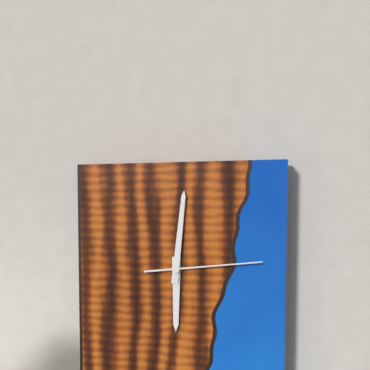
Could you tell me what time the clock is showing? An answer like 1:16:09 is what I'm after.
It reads 6:01:14
